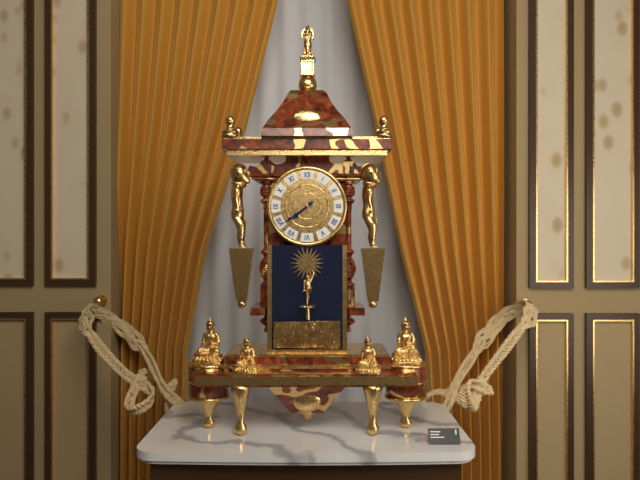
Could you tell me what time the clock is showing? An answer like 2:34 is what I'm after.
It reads 7:39
